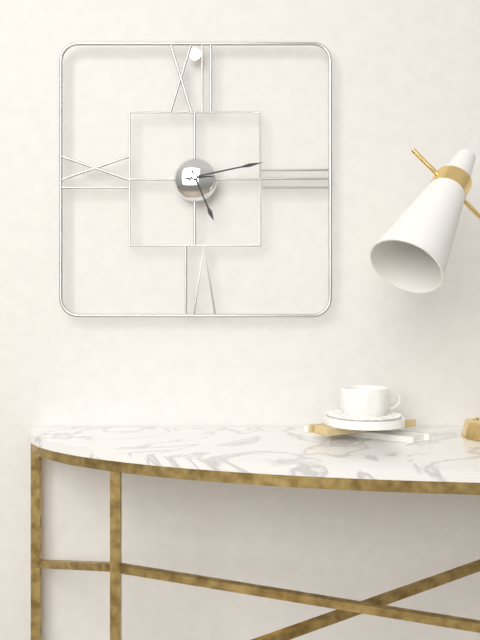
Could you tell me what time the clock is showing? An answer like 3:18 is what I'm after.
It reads 5:13
